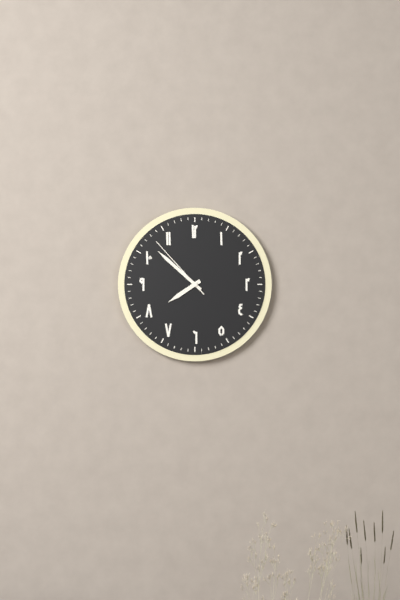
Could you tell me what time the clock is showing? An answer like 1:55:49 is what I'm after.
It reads 7:52:53
